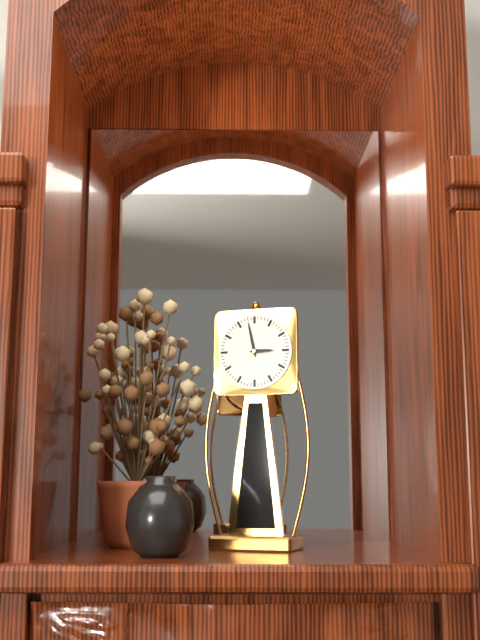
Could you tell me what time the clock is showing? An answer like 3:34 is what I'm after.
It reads 2:58
